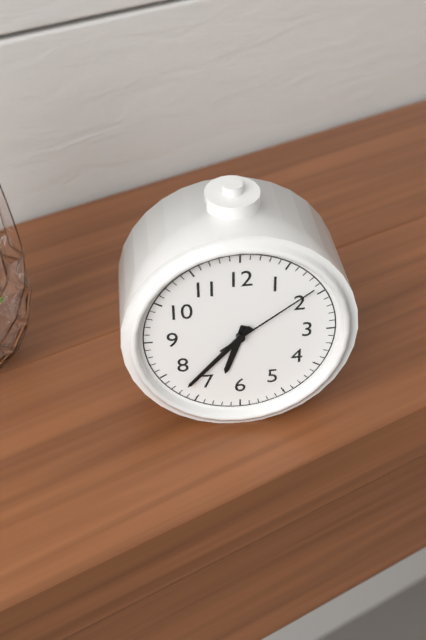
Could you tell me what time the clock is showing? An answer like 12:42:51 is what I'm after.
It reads 6:37:09
